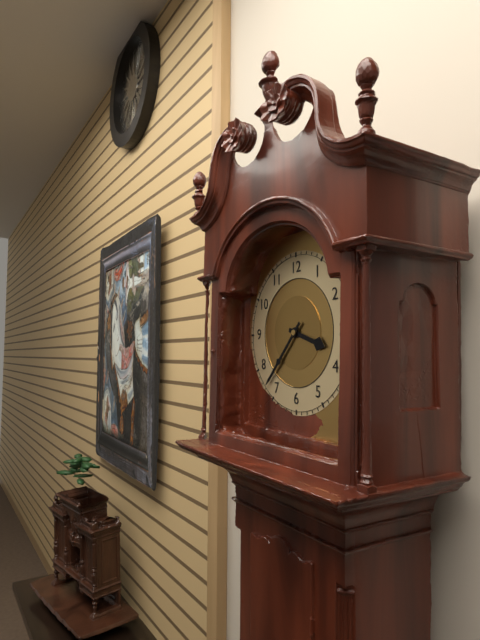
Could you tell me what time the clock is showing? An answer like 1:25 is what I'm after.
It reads 3:37
